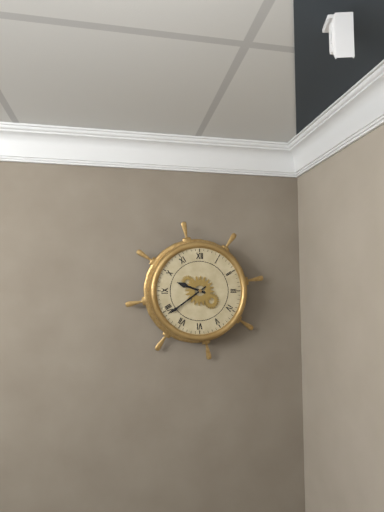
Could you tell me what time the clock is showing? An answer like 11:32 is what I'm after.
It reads 9:39
